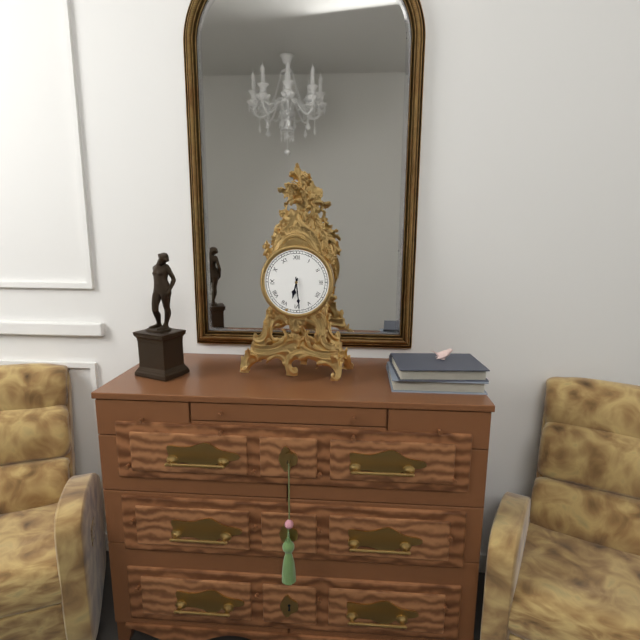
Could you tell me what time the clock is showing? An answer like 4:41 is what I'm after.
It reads 6:29
